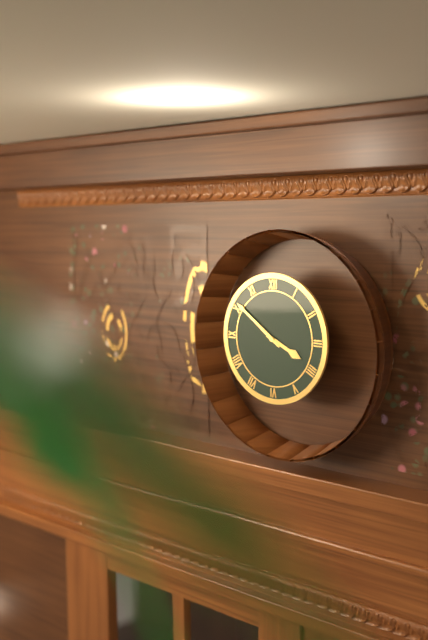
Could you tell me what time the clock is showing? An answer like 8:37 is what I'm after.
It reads 3:51
